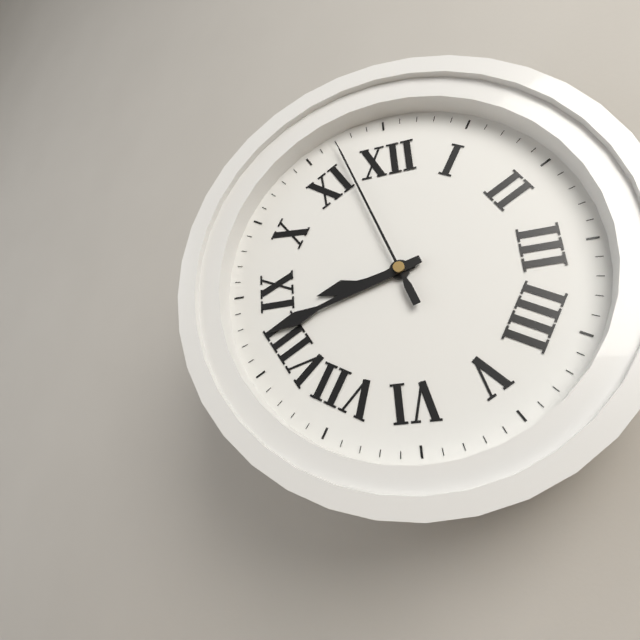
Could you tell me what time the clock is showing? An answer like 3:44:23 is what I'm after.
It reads 8:42:57
